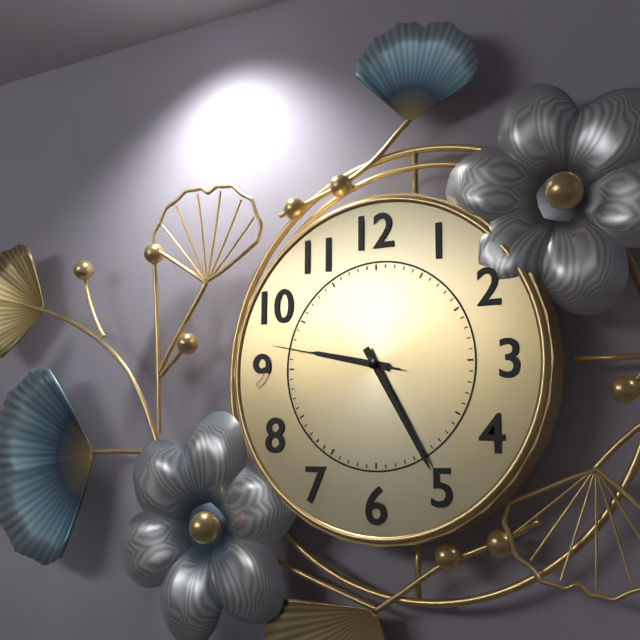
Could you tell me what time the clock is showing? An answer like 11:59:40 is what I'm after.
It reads 9:25:47
